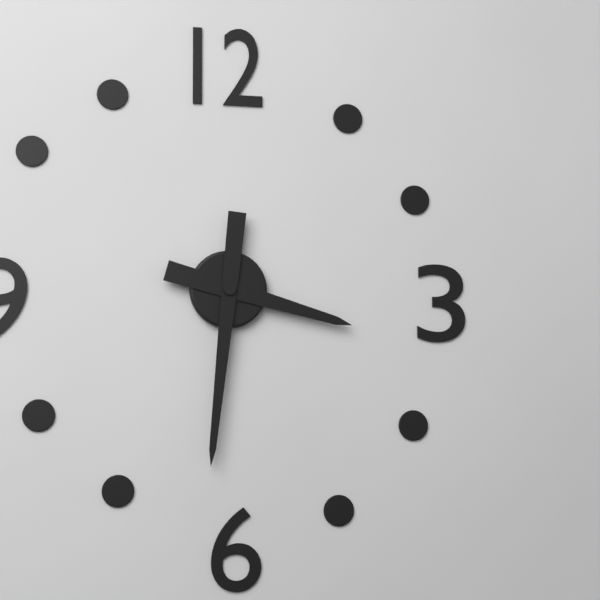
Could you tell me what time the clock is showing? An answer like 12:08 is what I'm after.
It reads 3:31
